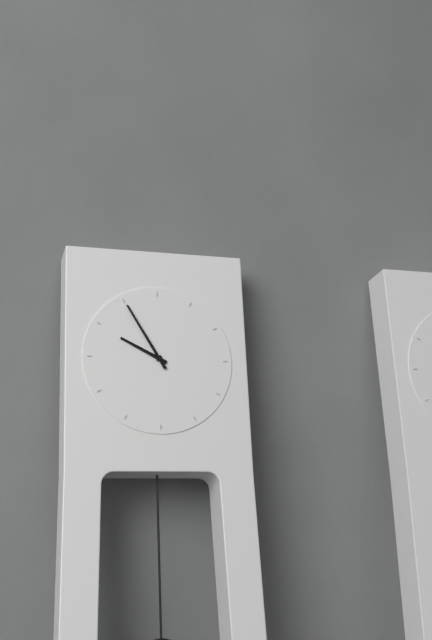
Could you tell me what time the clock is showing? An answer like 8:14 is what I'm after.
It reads 9:55
